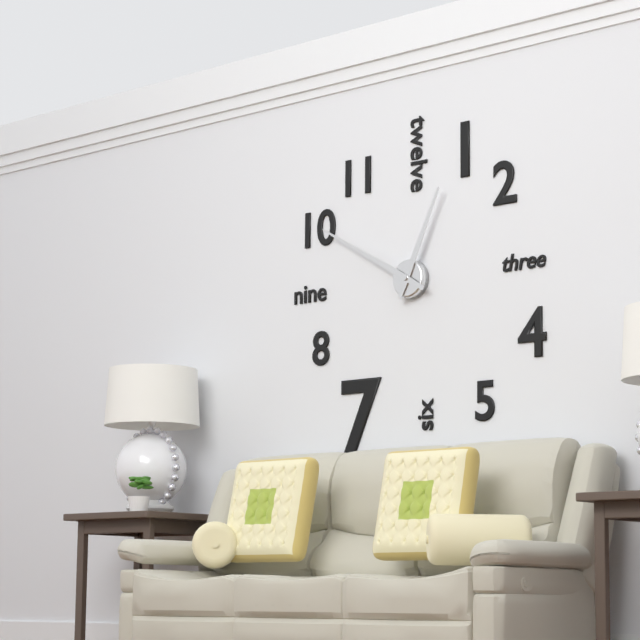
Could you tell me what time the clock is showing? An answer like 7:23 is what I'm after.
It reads 12:50
